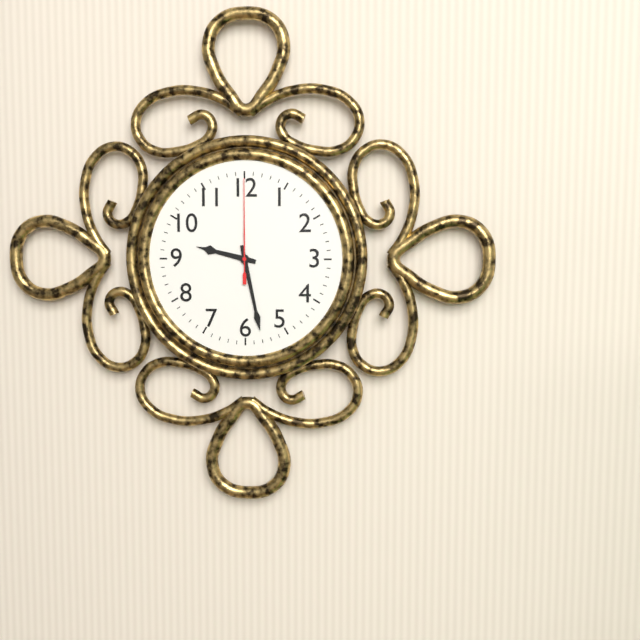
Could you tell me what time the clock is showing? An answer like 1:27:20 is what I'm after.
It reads 9:28:00
